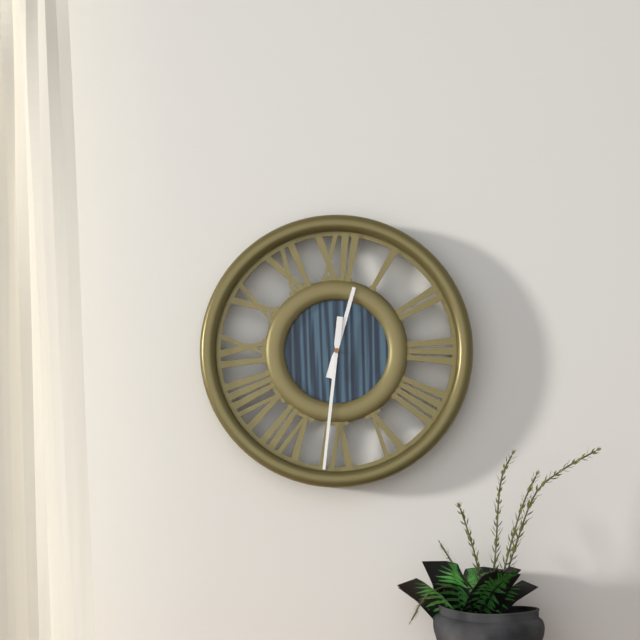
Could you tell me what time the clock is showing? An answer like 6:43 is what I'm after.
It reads 12:31
